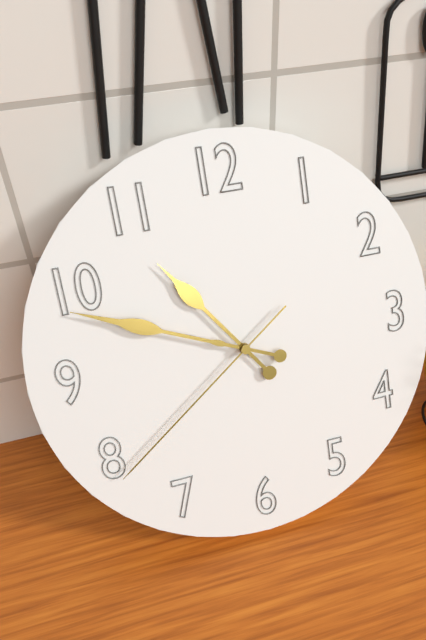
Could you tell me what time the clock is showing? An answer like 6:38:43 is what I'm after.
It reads 10:49:39
